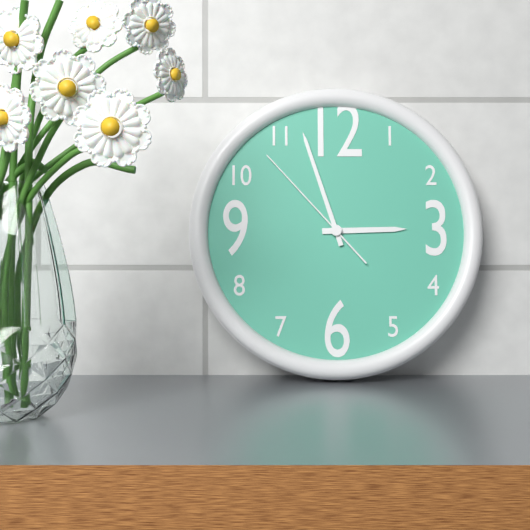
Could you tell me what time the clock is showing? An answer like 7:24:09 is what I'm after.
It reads 2:57:53
